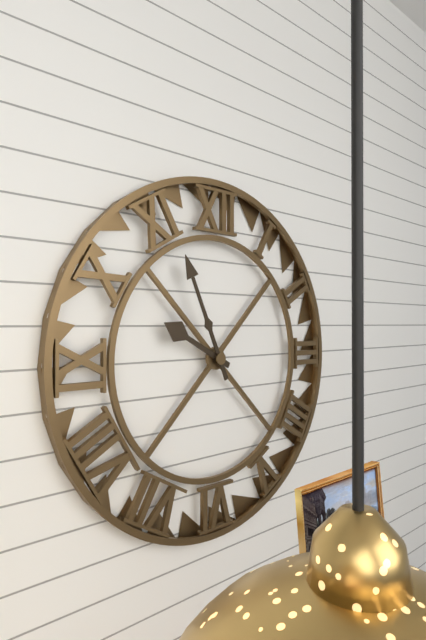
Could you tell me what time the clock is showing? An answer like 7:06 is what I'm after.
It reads 9:56
